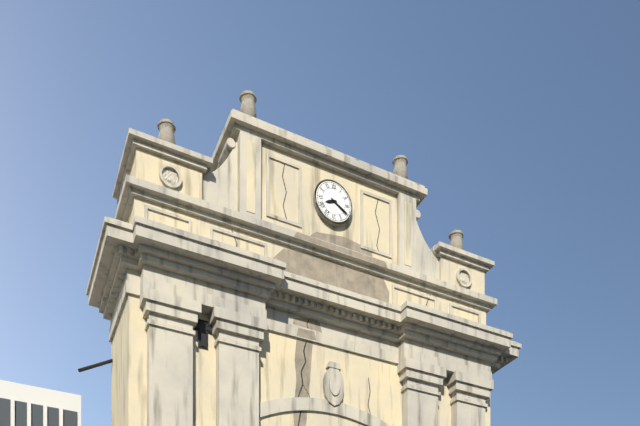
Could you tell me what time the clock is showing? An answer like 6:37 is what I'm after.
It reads 8:20
